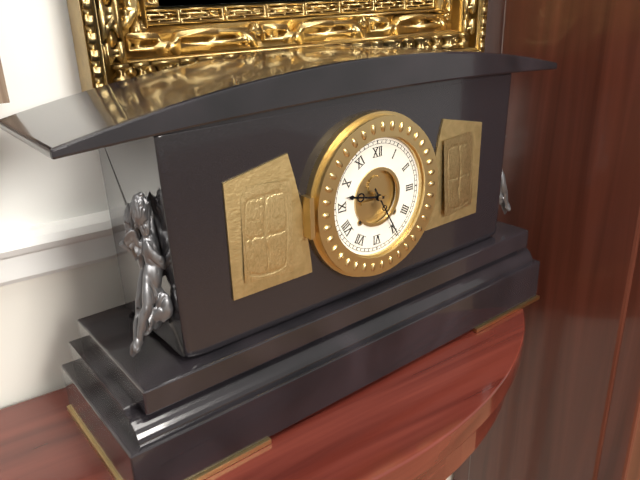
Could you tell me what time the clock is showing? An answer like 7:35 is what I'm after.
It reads 9:25
